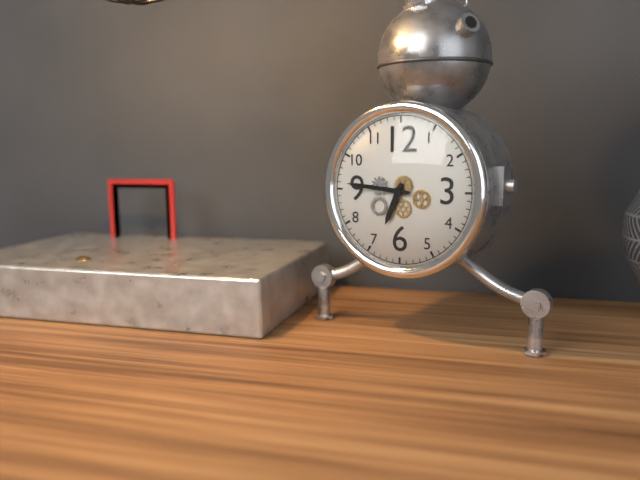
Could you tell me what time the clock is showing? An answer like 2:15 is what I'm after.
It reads 6:46
